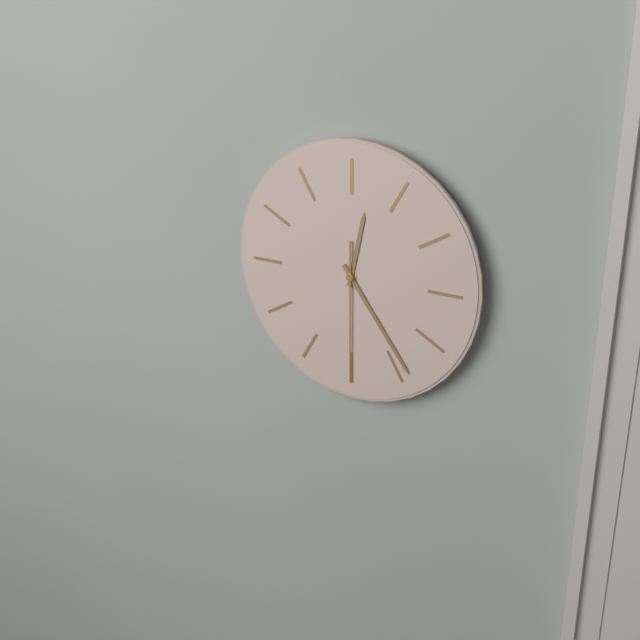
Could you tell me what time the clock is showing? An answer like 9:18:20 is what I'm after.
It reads 12:24:30
